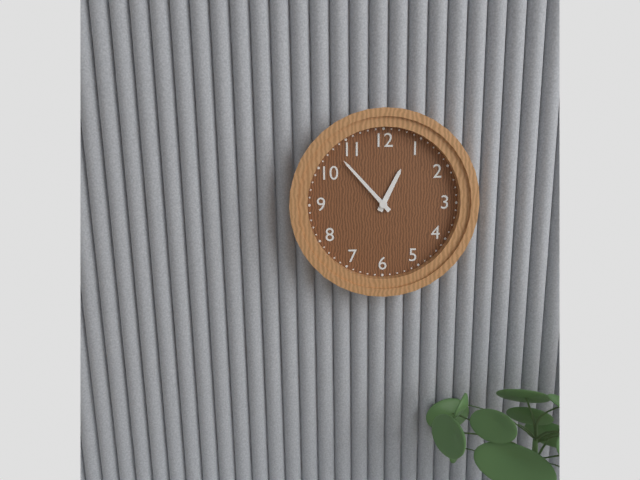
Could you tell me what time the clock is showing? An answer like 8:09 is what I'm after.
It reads 12:53
